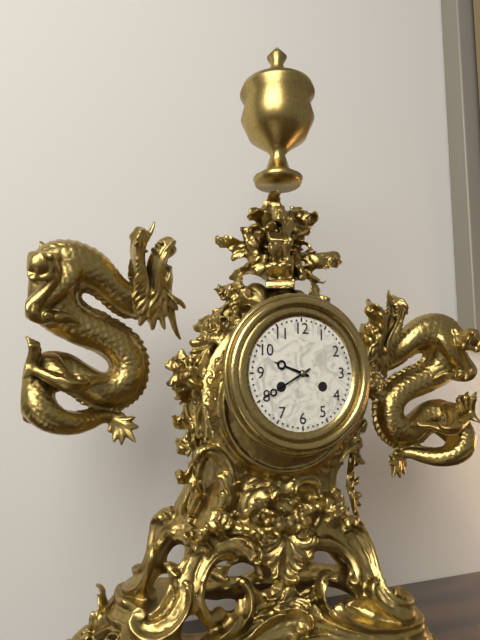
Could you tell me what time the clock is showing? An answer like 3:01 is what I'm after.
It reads 9:40
